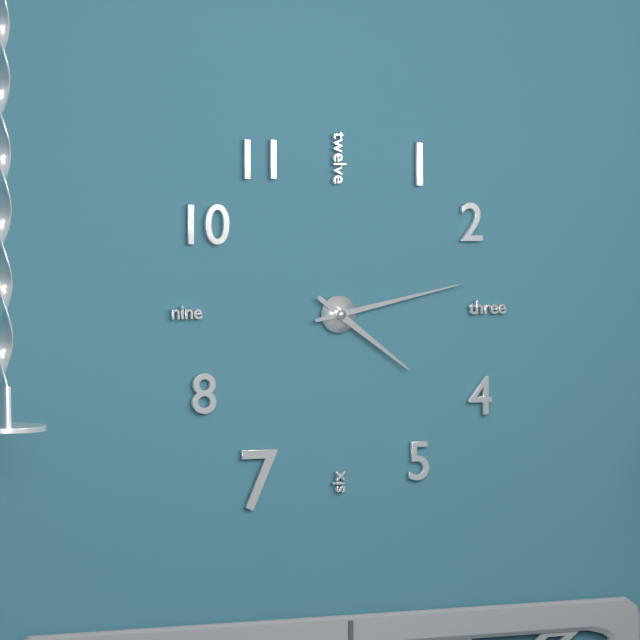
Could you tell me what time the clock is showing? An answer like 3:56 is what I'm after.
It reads 4:13
